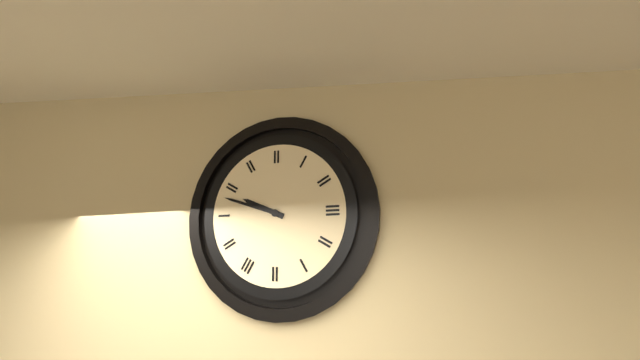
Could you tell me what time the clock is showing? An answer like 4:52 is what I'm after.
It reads 9:48
